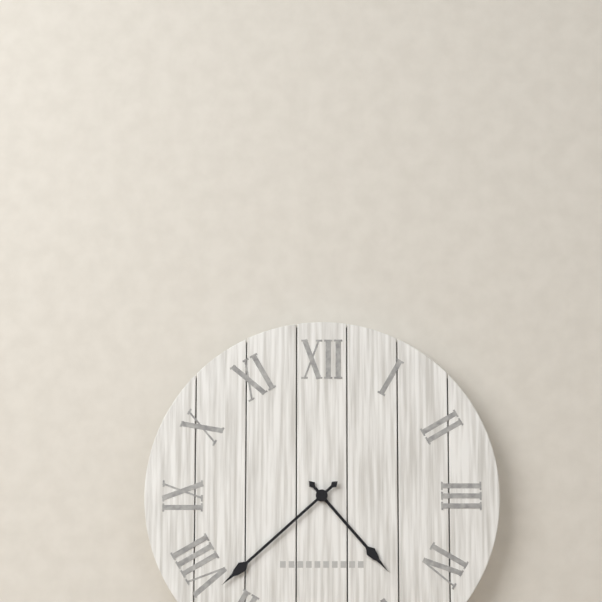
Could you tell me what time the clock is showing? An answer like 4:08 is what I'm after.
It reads 4:38
